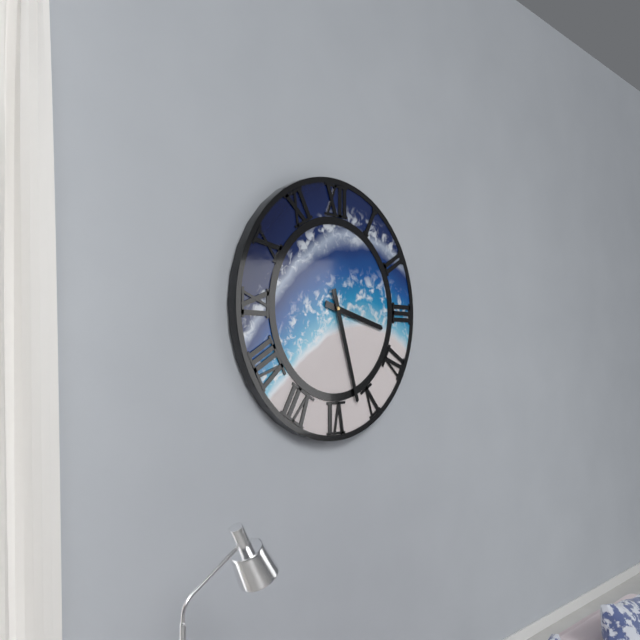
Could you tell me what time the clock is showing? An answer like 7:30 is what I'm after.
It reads 3:27
